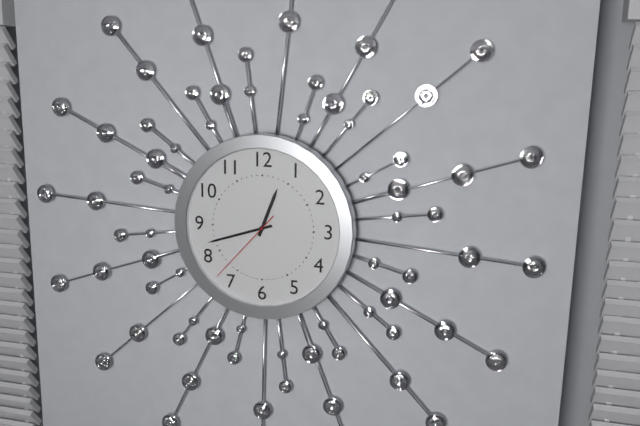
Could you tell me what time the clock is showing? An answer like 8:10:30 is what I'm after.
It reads 12:42:37
